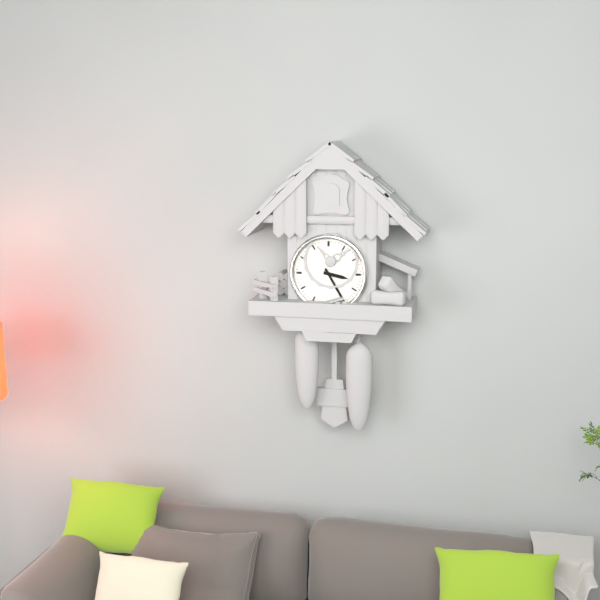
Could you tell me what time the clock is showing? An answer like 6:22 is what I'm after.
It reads 3:25
